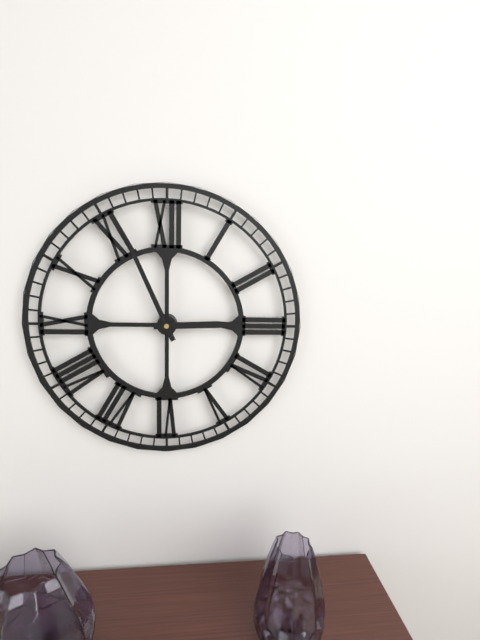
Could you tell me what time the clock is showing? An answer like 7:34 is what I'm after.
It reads 2:56
